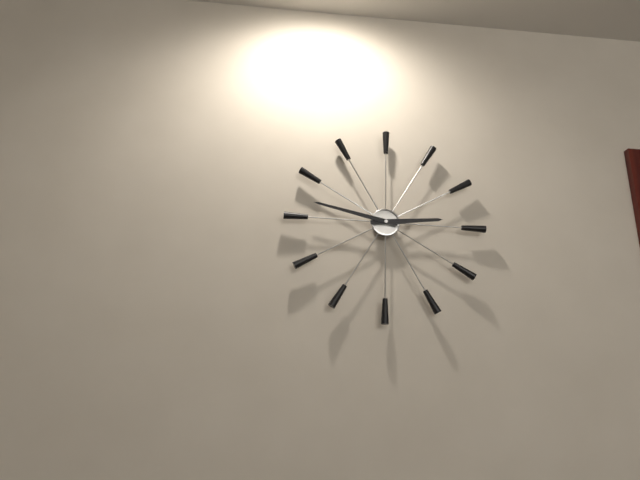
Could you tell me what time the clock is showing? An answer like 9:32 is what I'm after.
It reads 2:47
